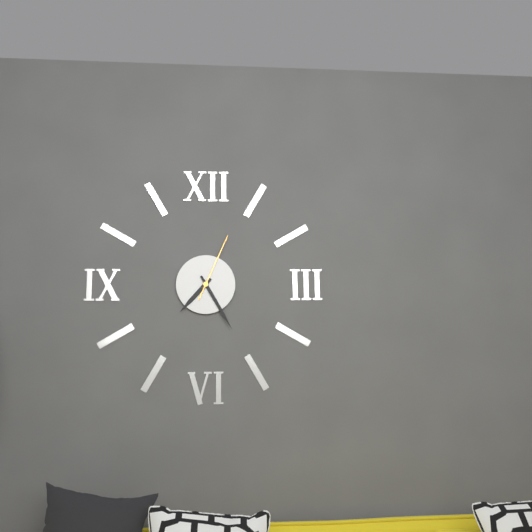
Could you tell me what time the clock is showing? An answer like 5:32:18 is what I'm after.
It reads 7:25:04
